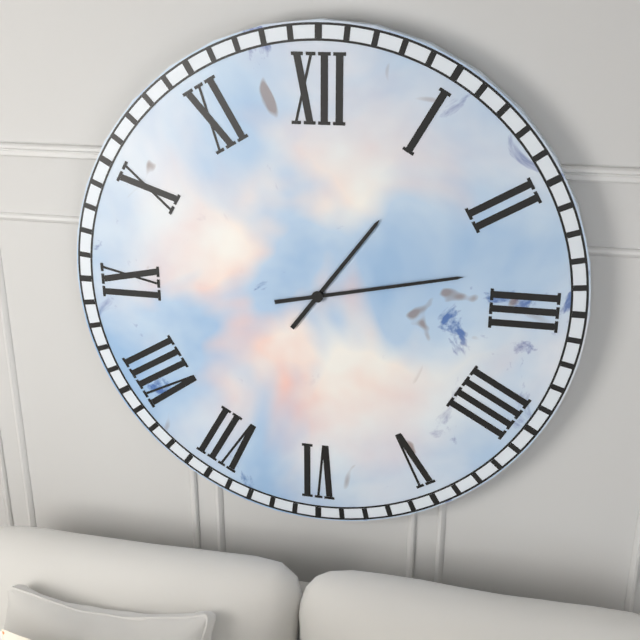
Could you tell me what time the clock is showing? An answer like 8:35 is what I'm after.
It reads 1:13
